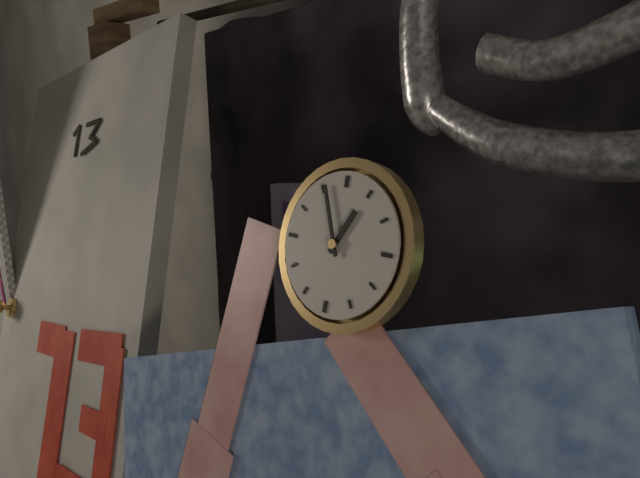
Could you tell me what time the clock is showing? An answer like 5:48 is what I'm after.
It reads 12:56
